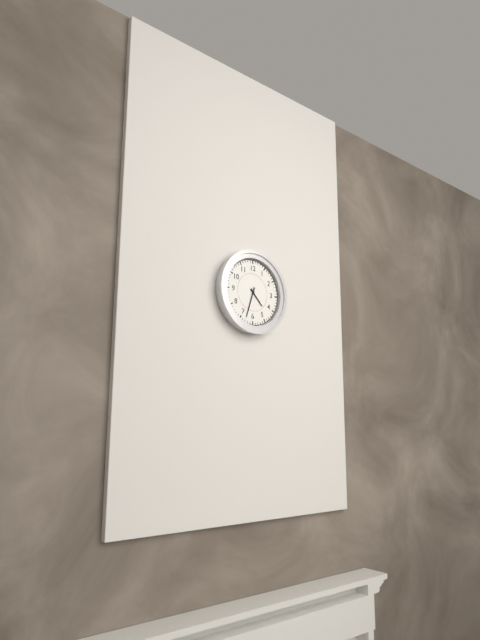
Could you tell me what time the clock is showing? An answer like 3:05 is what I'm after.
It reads 4:33
